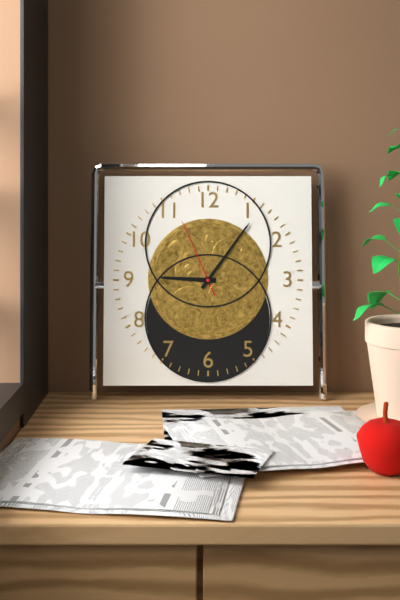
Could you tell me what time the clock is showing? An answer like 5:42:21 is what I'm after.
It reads 9:06:56
